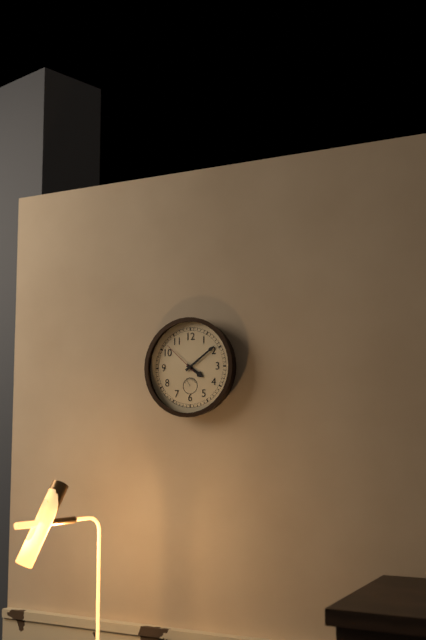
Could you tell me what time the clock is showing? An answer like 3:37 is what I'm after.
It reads 4:09
